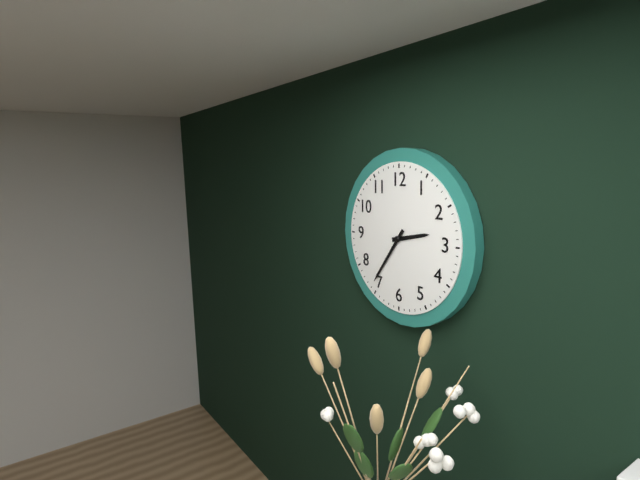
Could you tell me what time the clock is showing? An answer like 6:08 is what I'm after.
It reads 2:36
